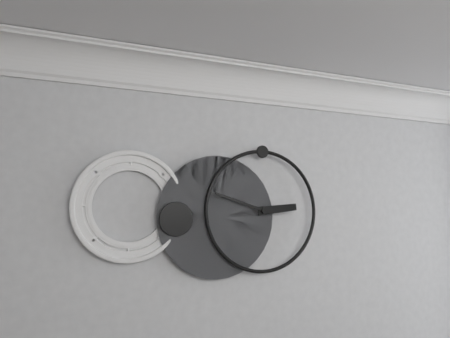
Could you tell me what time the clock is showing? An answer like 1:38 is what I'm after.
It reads 2:48
